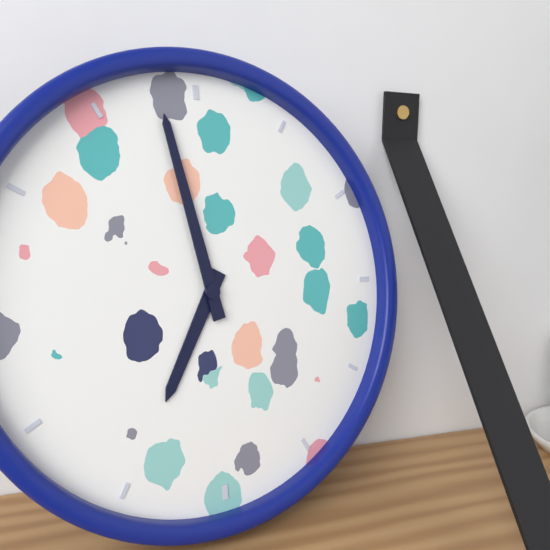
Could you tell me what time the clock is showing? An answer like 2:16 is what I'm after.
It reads 6:58
